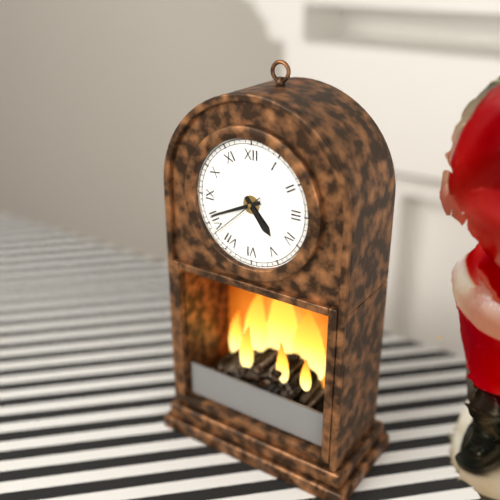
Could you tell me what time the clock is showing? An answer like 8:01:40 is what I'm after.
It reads 4:41:38
